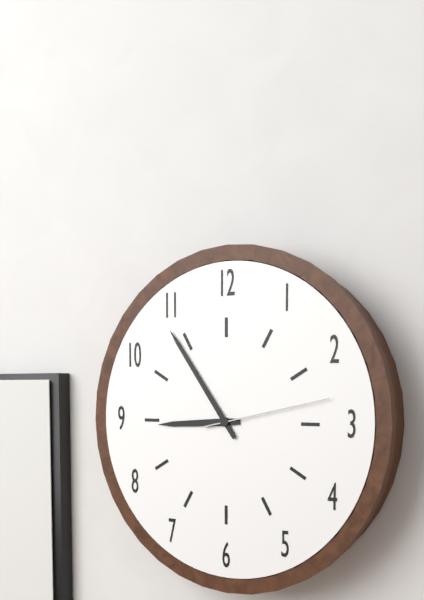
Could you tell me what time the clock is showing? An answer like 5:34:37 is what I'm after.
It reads 8:54:13
